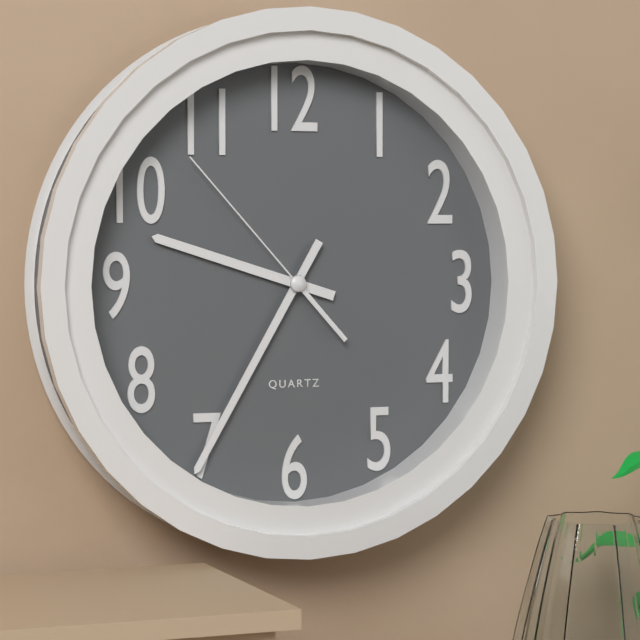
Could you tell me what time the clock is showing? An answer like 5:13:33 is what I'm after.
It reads 9:35:53
